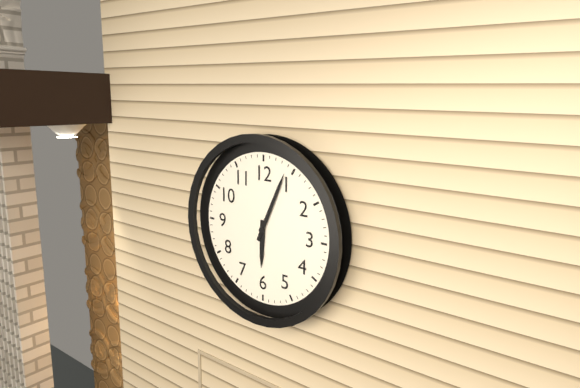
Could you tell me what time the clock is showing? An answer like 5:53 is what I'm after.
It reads 6:04
